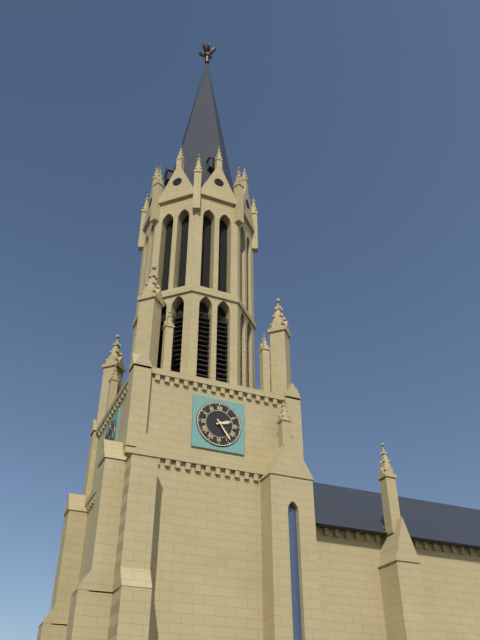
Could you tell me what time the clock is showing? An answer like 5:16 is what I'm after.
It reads 2:24
